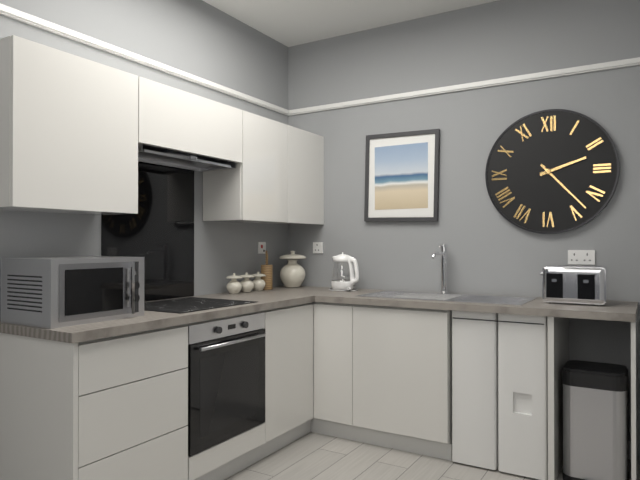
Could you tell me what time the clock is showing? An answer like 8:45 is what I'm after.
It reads 2:23
